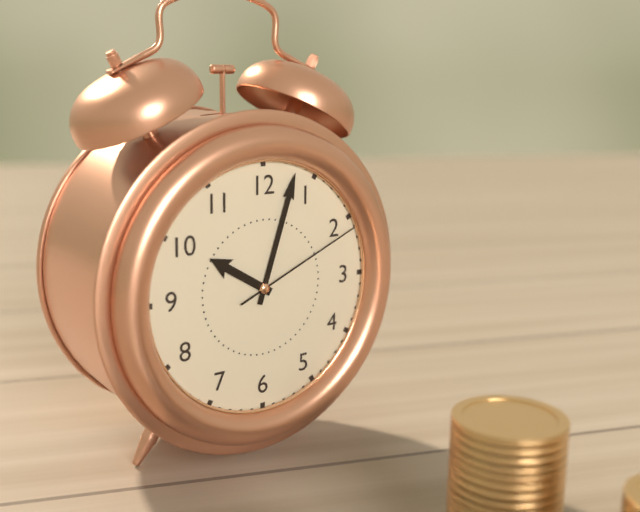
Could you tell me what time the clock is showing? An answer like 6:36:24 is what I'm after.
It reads 10:03:11
